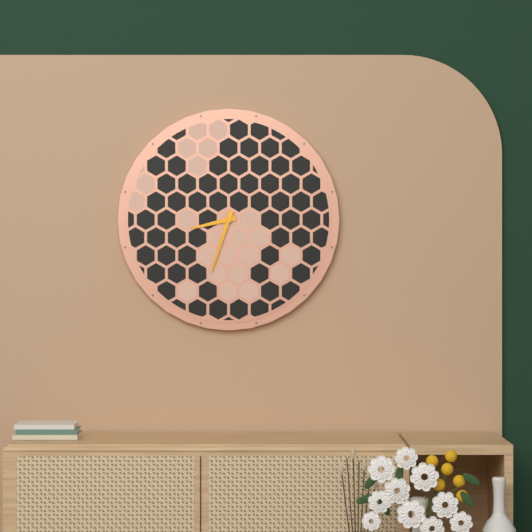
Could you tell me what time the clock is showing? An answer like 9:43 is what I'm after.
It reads 8:33
